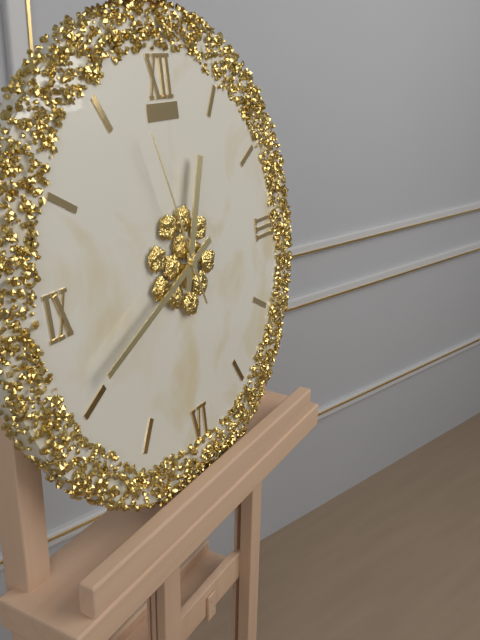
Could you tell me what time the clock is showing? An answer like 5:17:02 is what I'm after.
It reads 12:41:57
